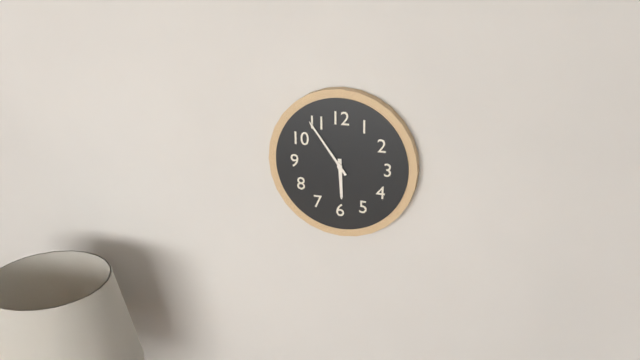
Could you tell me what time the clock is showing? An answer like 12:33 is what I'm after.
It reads 5:54
